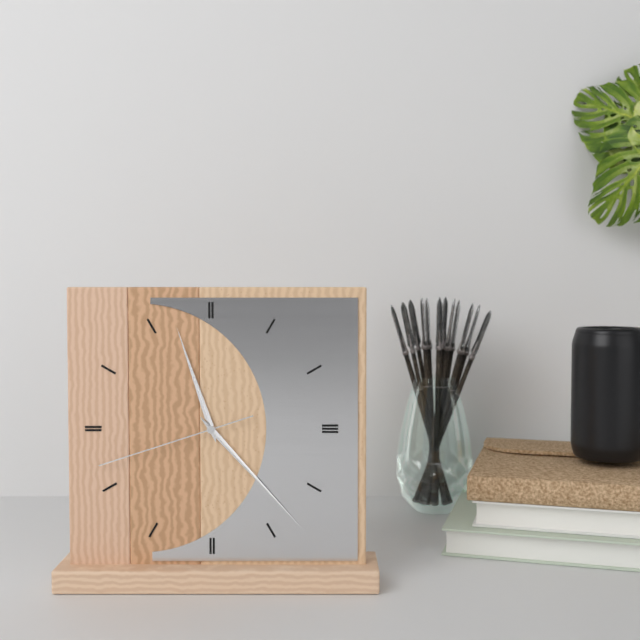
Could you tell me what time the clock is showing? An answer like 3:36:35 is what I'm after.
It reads 11:23:42
